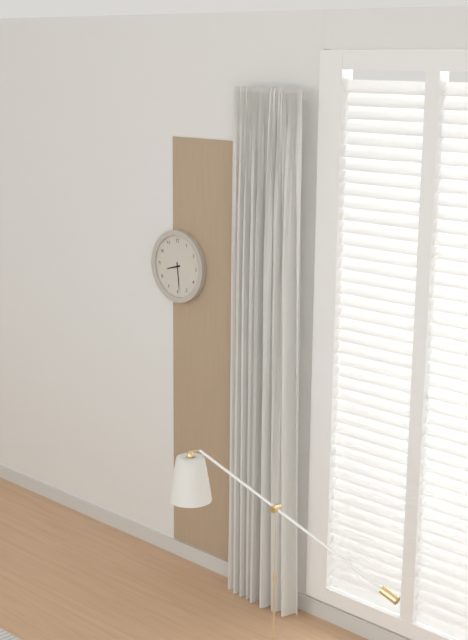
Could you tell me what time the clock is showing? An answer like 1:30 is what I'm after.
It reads 8:29
